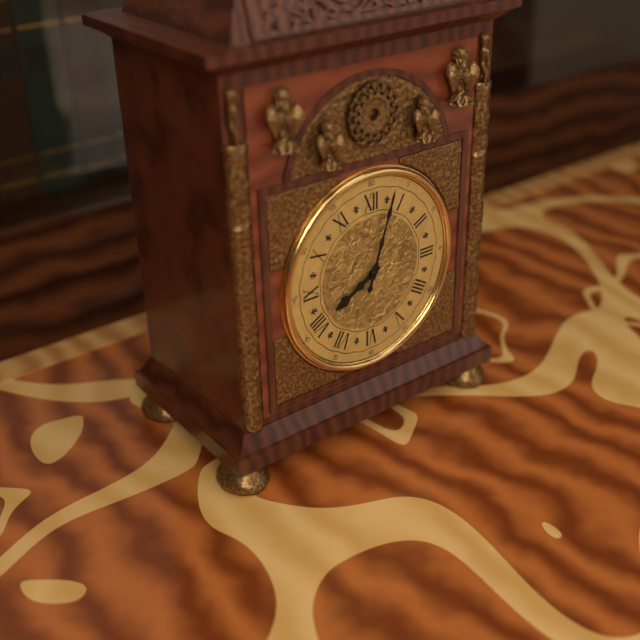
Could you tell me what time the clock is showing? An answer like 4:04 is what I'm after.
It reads 8:03
